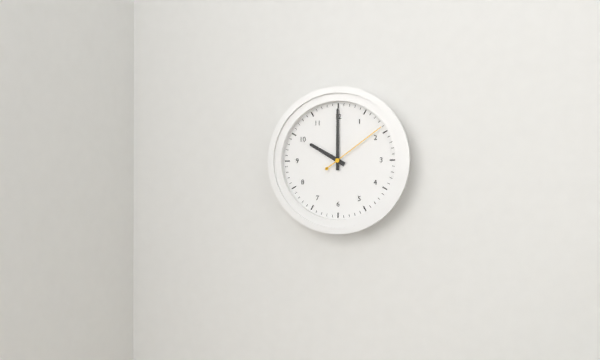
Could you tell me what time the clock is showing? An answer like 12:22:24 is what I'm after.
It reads 10:00:09
